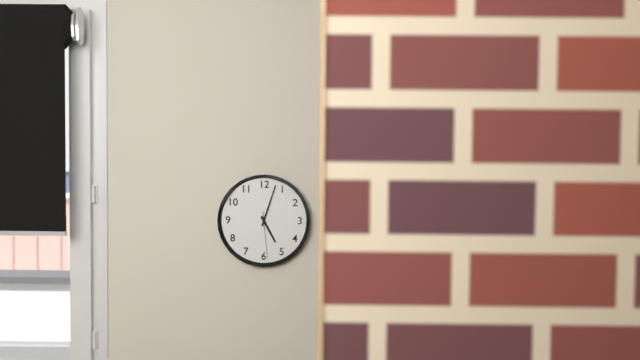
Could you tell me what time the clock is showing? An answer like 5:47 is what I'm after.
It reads 5:03
